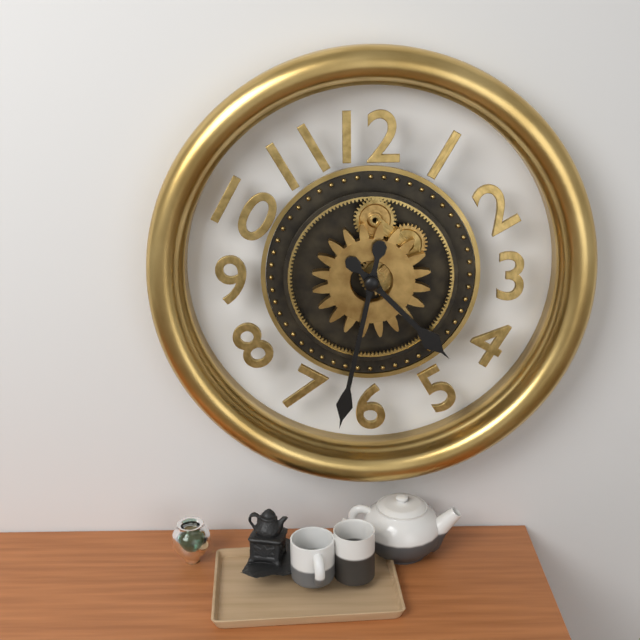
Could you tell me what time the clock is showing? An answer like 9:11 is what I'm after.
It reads 4:32
